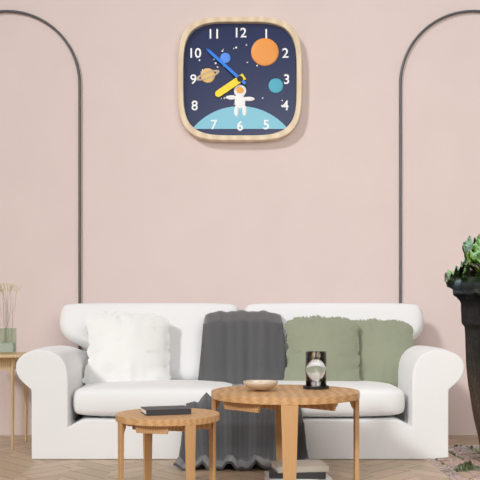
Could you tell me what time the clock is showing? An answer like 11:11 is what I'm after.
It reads 7:52
